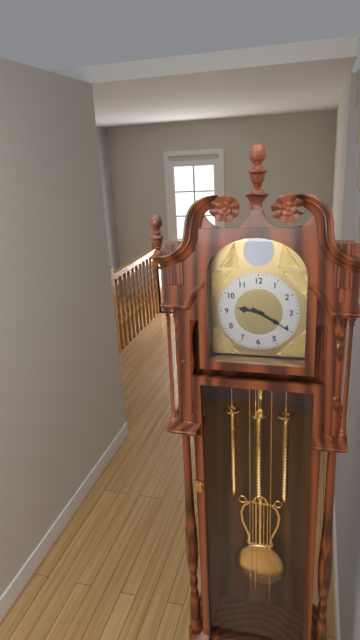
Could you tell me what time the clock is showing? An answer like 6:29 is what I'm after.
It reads 9:20
